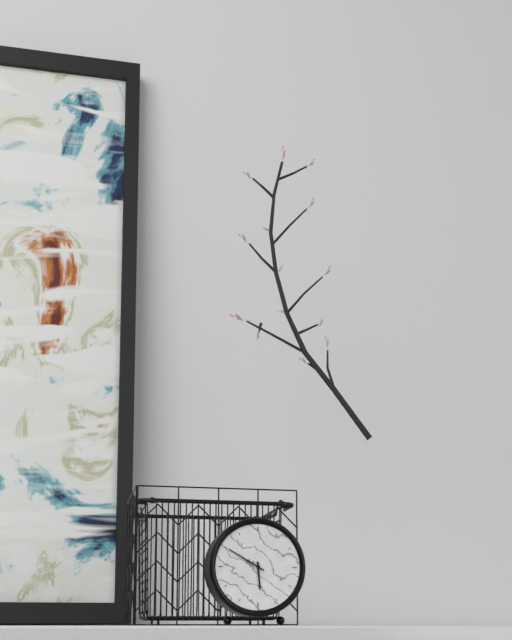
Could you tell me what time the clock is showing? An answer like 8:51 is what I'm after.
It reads 5:50
